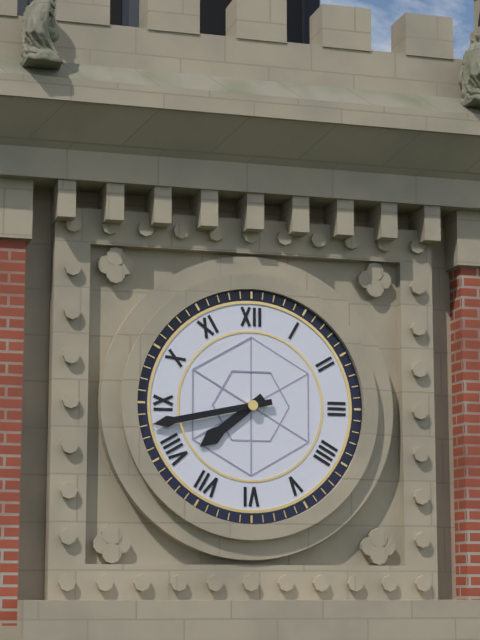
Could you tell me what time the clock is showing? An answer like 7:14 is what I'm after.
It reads 7:43
